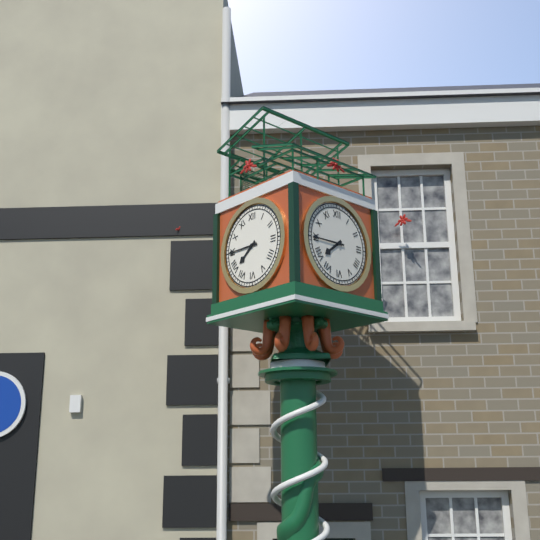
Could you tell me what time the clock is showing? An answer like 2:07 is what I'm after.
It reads 7:45
